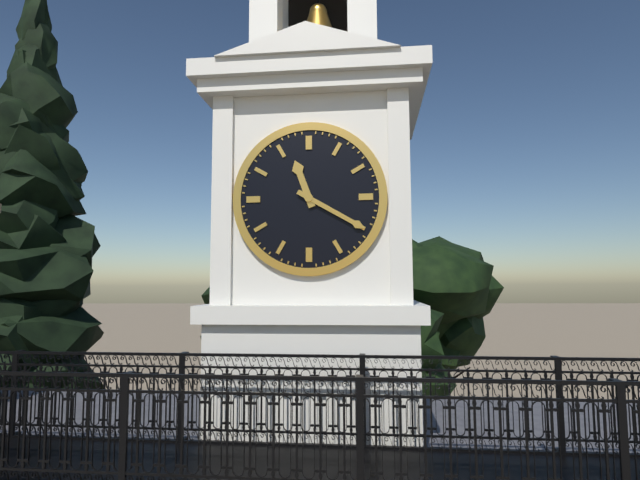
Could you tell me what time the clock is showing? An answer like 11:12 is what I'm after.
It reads 11:20
